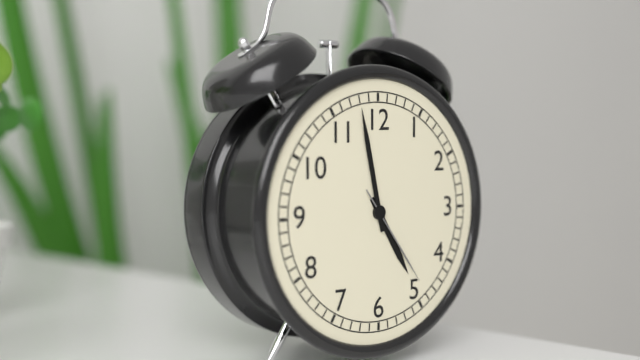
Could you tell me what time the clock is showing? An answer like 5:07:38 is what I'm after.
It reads 4:58:24
